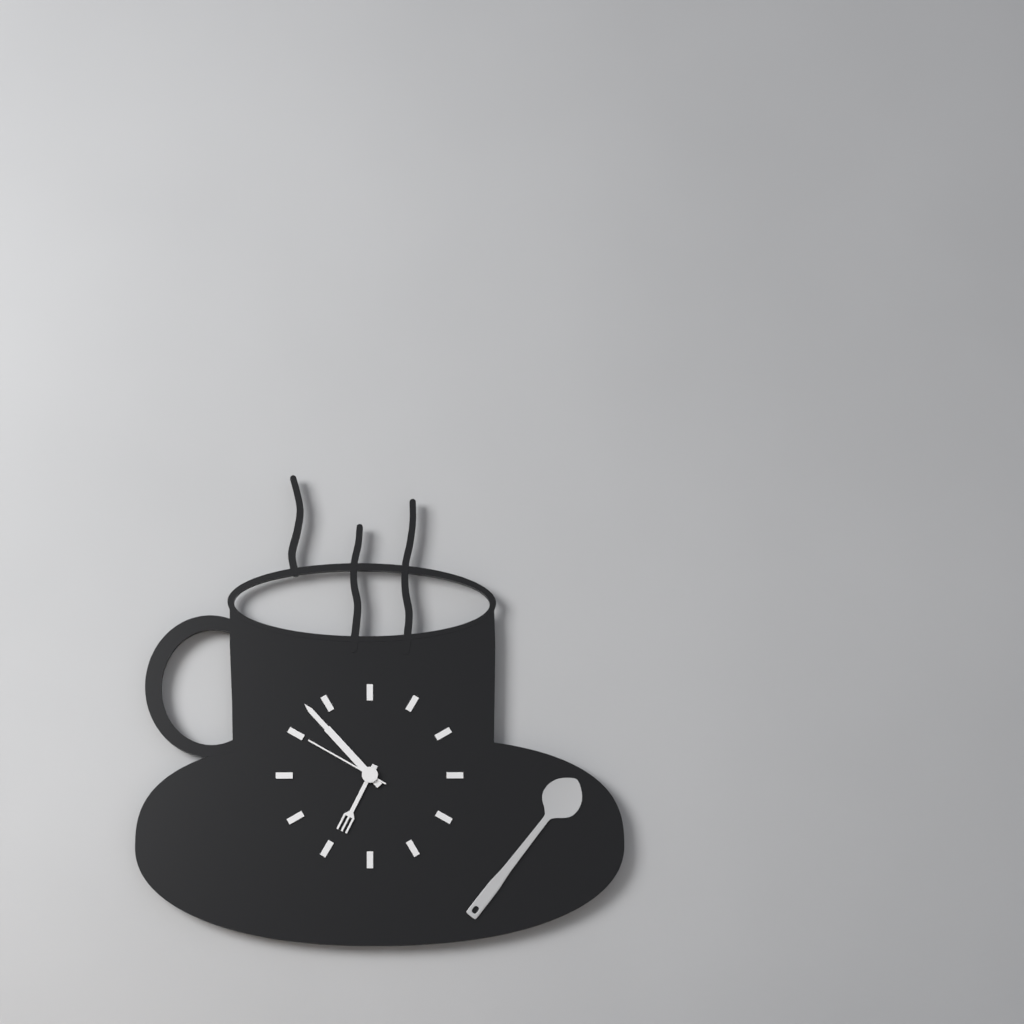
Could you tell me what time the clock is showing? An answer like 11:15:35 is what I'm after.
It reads 6:53:50
